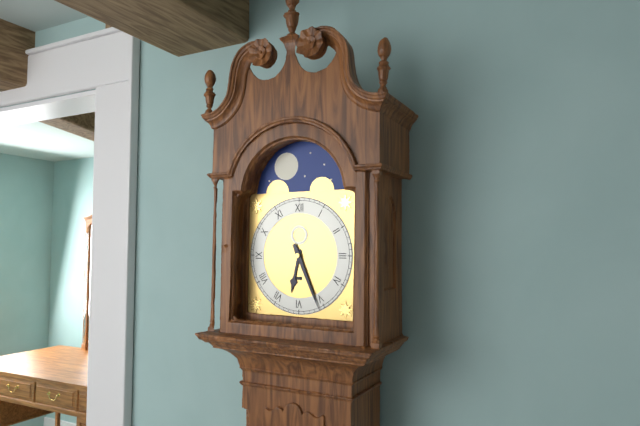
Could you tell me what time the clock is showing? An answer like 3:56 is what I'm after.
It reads 6:26
